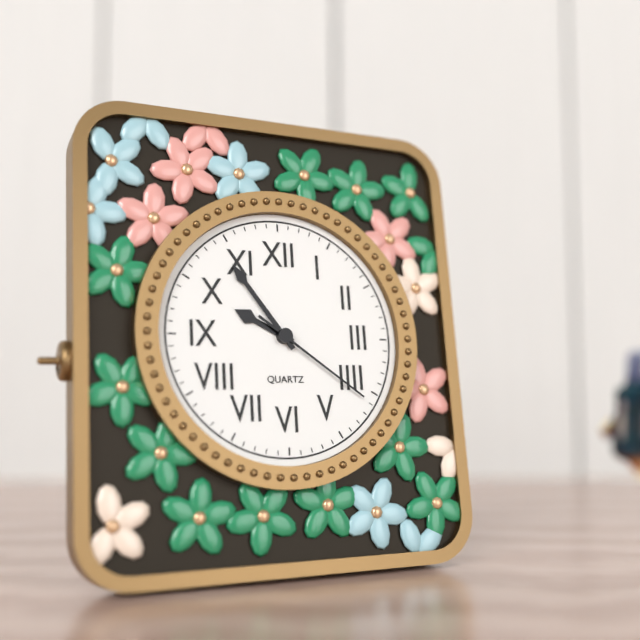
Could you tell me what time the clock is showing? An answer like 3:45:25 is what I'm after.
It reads 9:54:21
